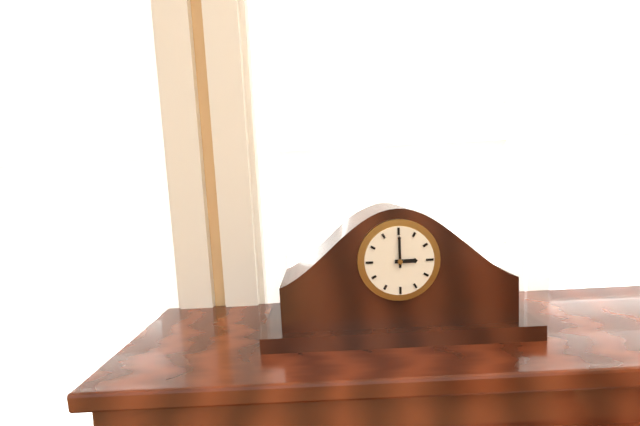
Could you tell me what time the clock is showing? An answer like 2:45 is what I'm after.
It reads 3:00
